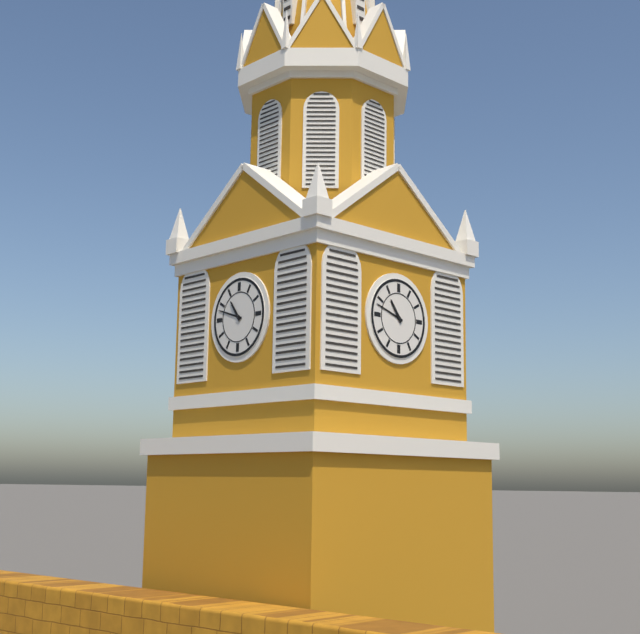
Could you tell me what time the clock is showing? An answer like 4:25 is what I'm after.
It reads 10:48
